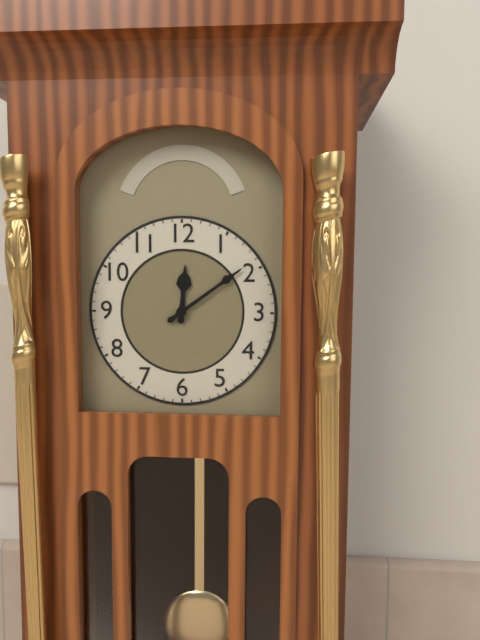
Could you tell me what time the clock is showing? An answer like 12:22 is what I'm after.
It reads 12:09
